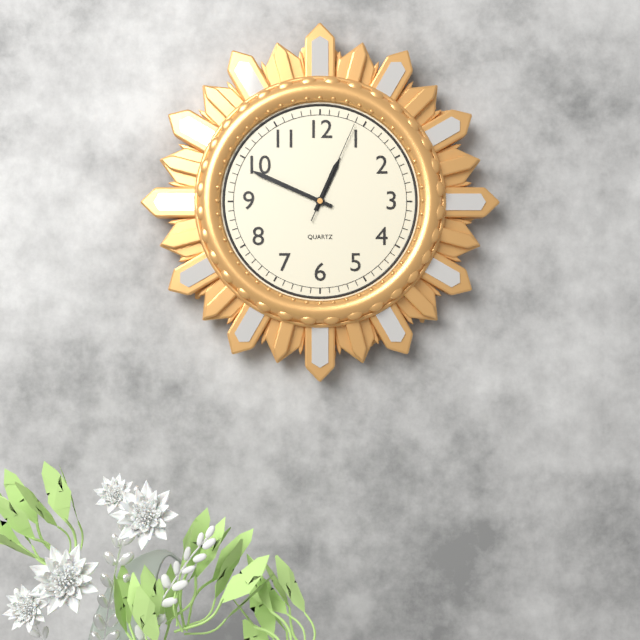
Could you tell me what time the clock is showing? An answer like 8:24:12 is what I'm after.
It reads 12:49:04
